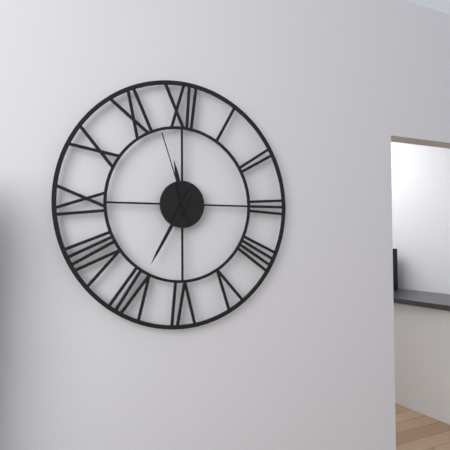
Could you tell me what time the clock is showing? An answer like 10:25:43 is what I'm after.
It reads 11:35:57
